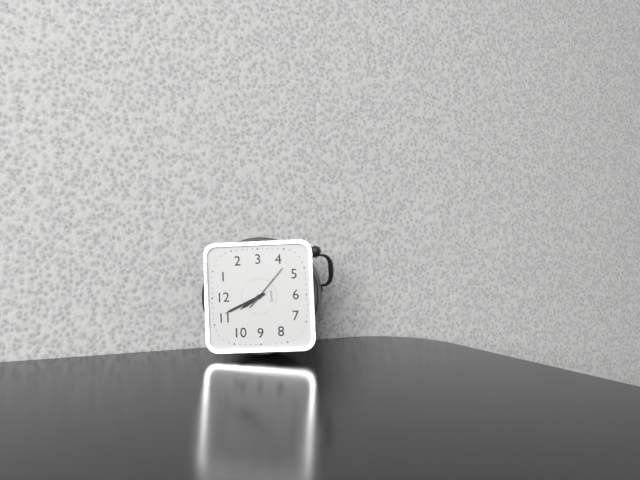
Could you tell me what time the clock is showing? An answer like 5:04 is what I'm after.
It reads 10:56
